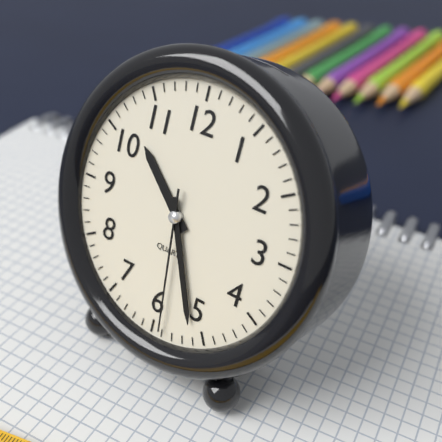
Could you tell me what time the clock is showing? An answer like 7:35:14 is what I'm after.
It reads 10:26:29
